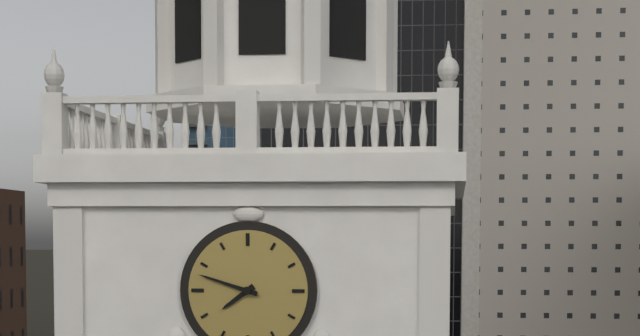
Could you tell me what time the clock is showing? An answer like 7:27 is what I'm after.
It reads 7:48
